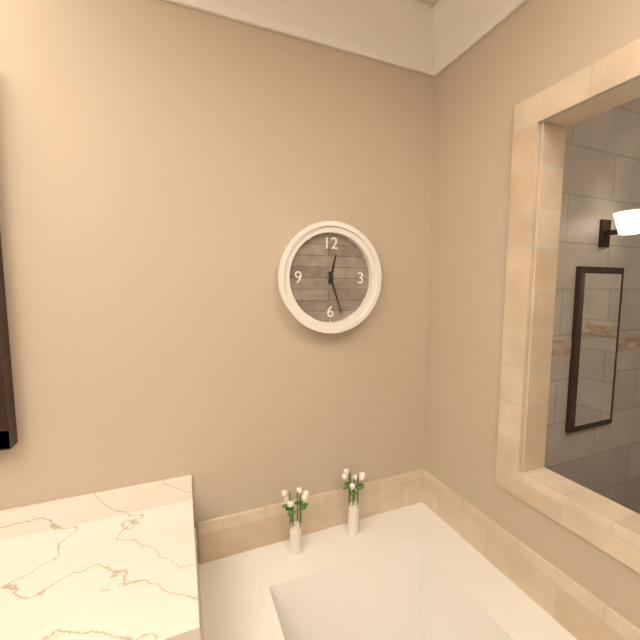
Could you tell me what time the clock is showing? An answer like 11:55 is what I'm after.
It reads 12:27
